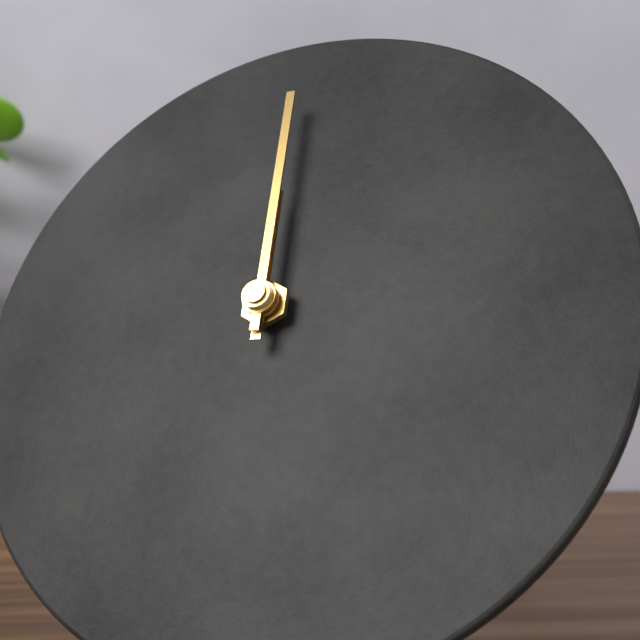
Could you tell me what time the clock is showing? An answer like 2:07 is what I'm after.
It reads 12:00
